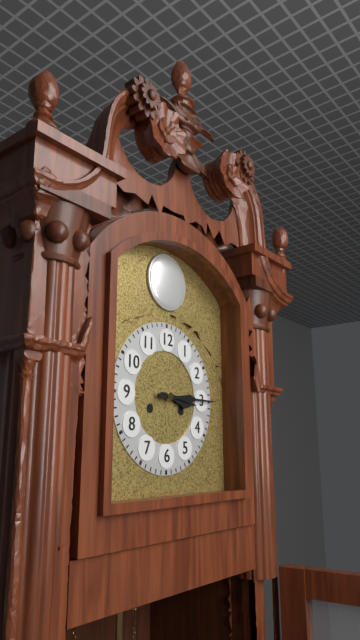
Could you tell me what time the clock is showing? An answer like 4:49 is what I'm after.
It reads 3:15
